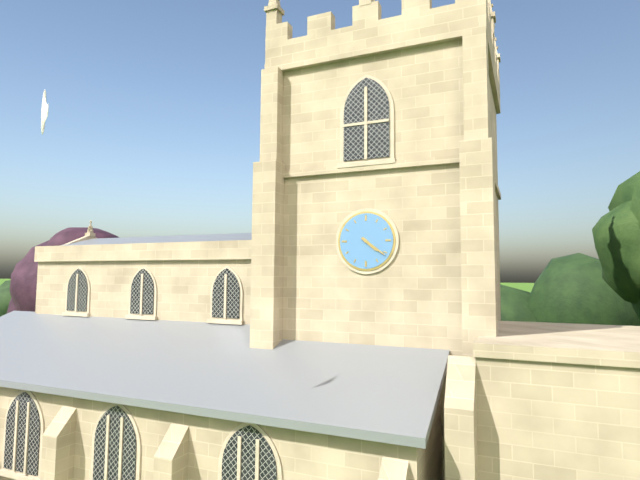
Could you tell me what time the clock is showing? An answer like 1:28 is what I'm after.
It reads 4:21
